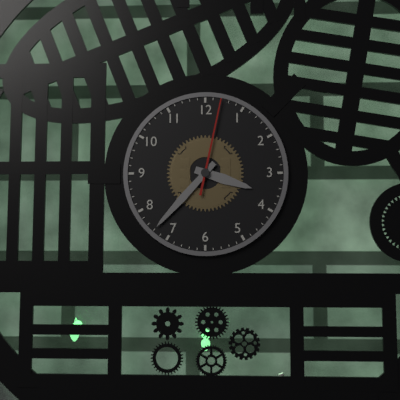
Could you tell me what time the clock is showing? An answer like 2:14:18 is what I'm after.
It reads 3:37:02
